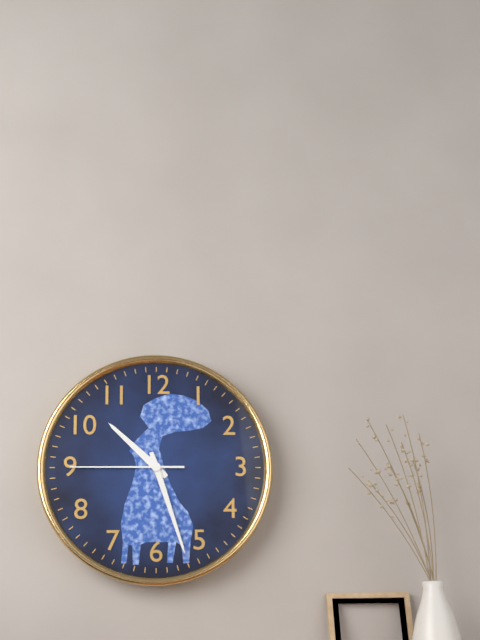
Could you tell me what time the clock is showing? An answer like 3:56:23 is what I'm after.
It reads 10:27:45
